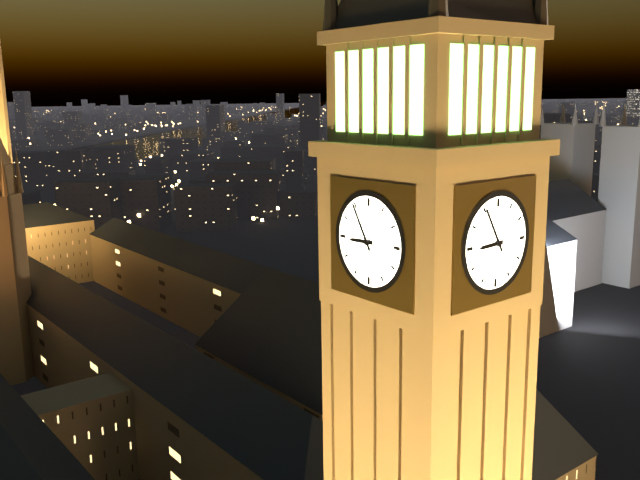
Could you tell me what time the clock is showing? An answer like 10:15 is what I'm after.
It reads 8:55
